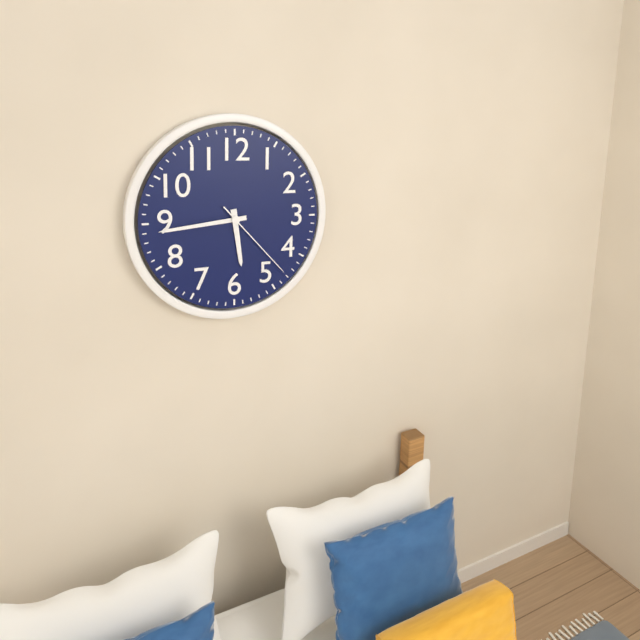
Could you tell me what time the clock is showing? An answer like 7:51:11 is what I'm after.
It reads 5:44:23
